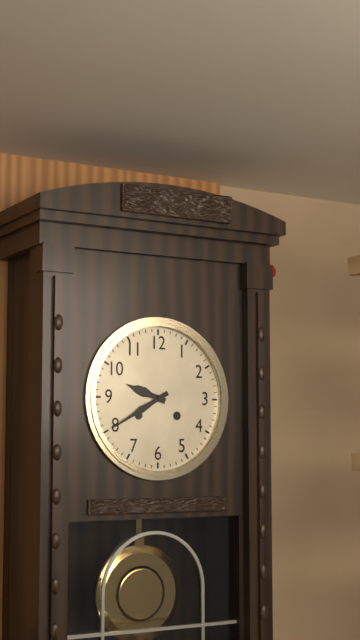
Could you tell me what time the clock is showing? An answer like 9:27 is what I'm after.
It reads 9:40
